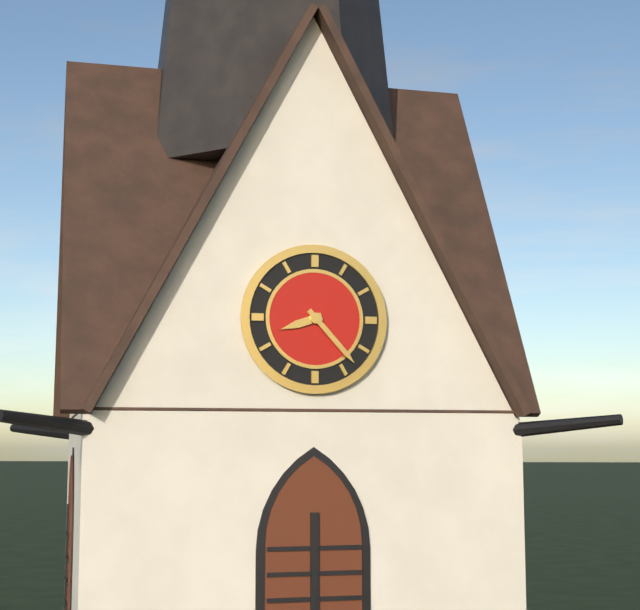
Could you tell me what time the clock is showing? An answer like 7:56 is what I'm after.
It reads 8:23
